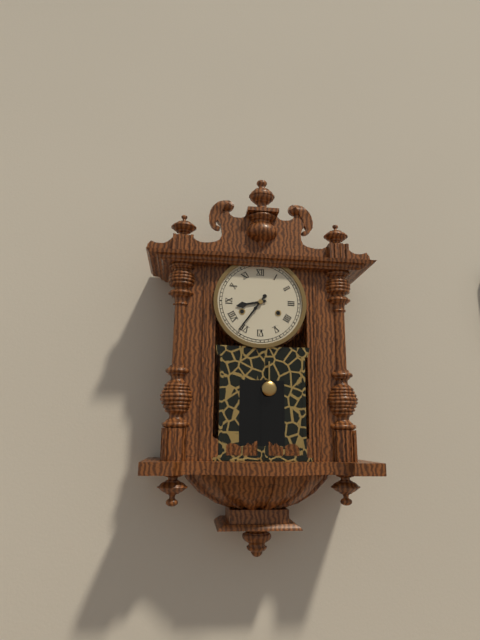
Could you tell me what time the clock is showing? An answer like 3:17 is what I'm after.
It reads 8:36
